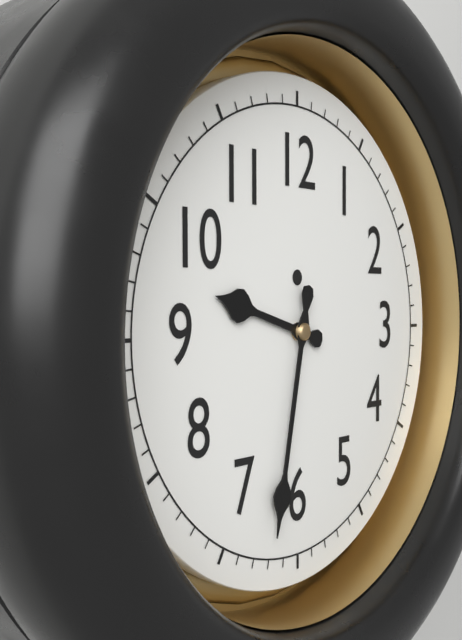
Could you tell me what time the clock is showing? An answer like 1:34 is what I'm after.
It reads 9:32
